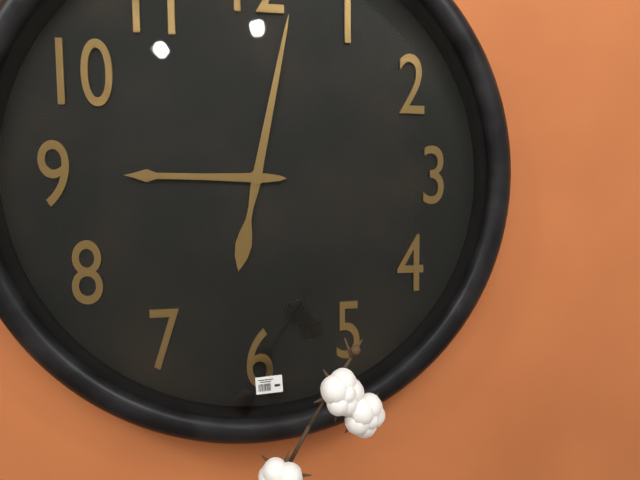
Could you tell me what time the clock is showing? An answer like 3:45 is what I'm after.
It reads 9:02
